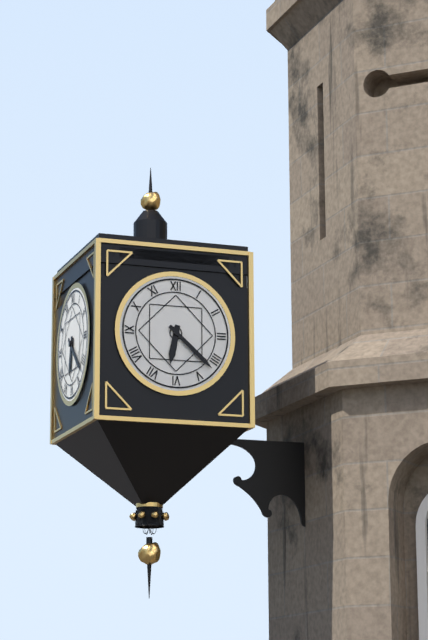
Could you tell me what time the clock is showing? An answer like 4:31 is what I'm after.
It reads 6:22
